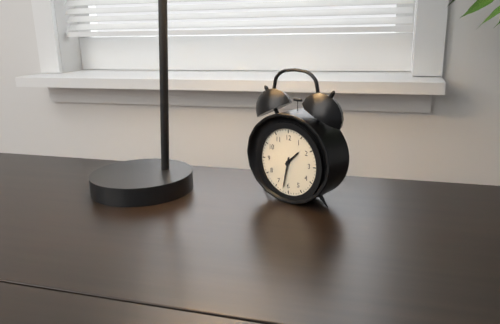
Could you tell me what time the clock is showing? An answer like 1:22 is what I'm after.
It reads 1:32
